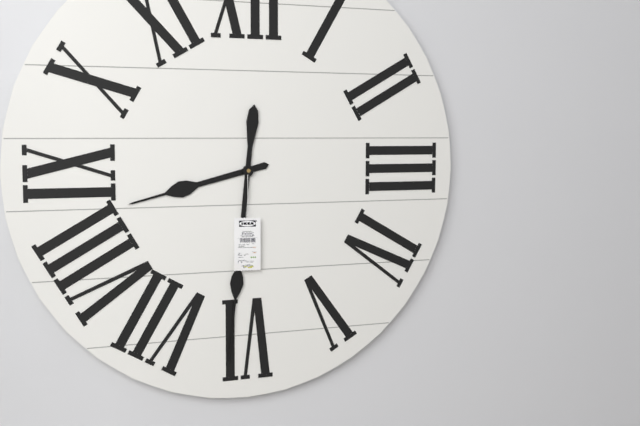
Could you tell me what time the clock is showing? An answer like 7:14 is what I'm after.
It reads 8:31
